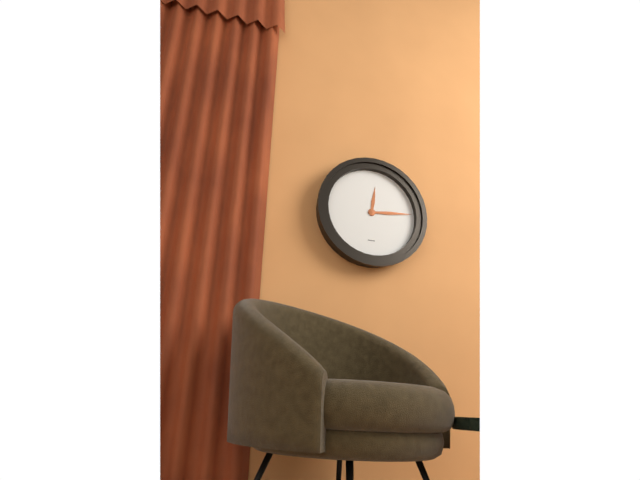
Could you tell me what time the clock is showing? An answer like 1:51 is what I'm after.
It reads 12:14
